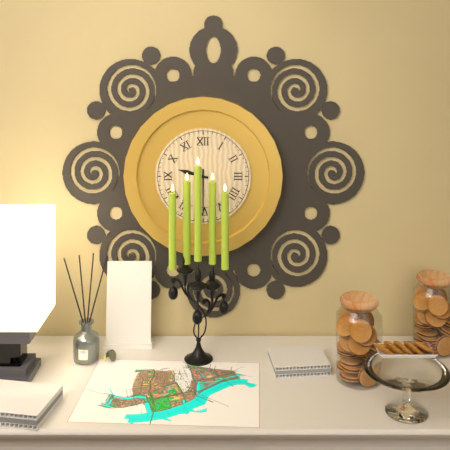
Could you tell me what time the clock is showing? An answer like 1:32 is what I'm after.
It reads 9:30
